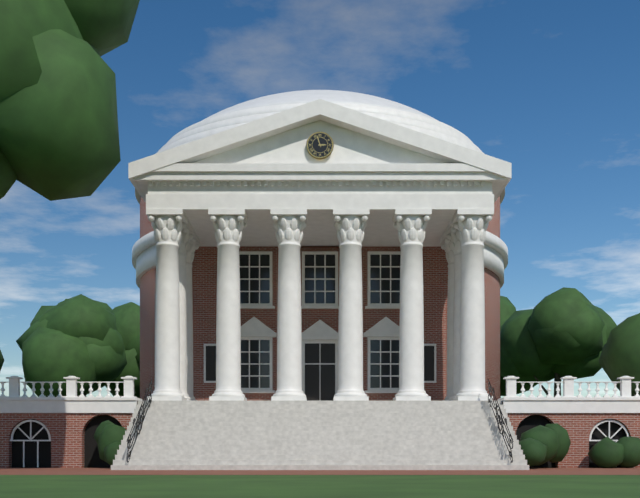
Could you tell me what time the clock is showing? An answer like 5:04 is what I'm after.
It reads 2:57
